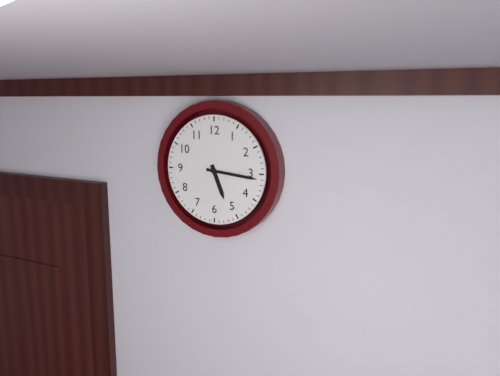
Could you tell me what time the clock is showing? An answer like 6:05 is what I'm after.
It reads 5:16
